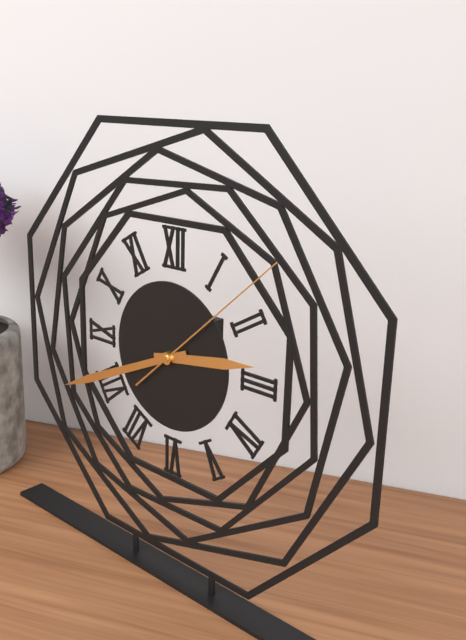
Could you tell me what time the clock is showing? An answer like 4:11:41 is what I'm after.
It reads 2:41:08
